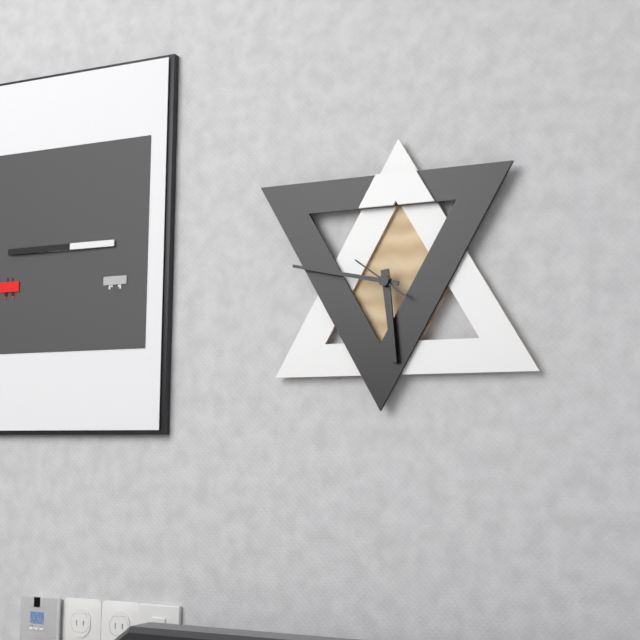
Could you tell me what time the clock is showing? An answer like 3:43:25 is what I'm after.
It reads 5:47:51
